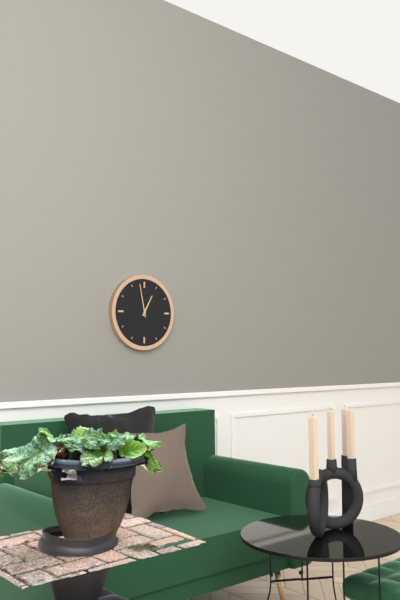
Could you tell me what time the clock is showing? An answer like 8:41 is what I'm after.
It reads 12:58
